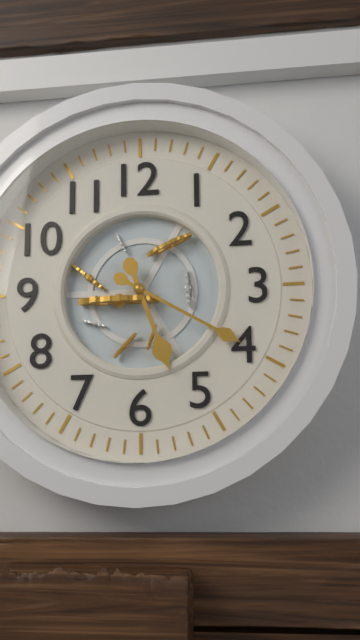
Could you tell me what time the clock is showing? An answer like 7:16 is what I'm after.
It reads 5:20
